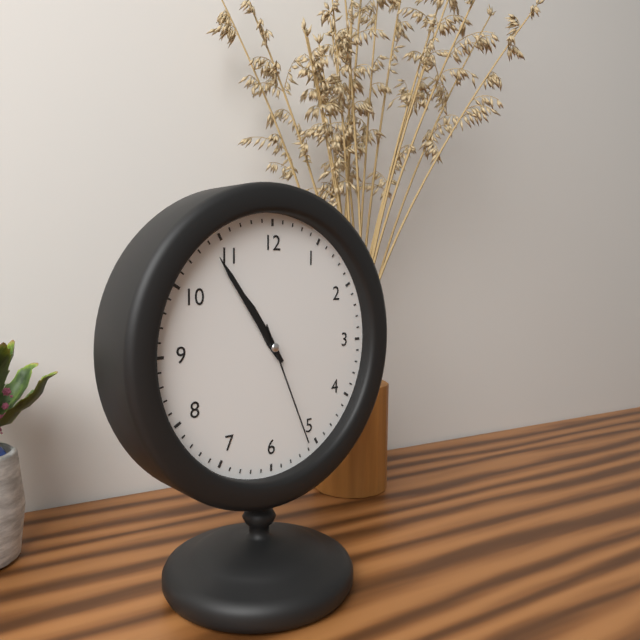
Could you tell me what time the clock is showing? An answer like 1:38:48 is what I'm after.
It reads 10:54:26
